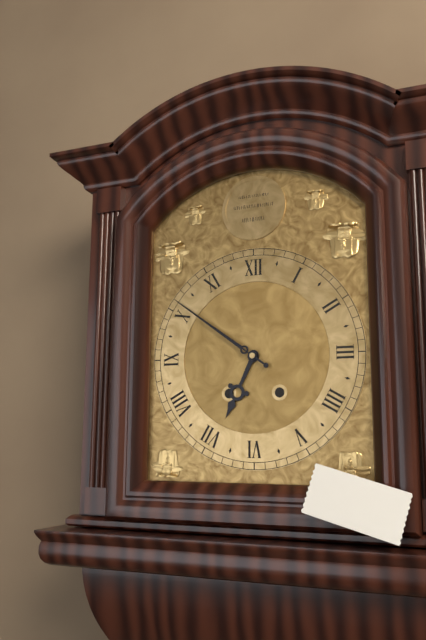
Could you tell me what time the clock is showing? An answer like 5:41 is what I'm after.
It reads 6:51
